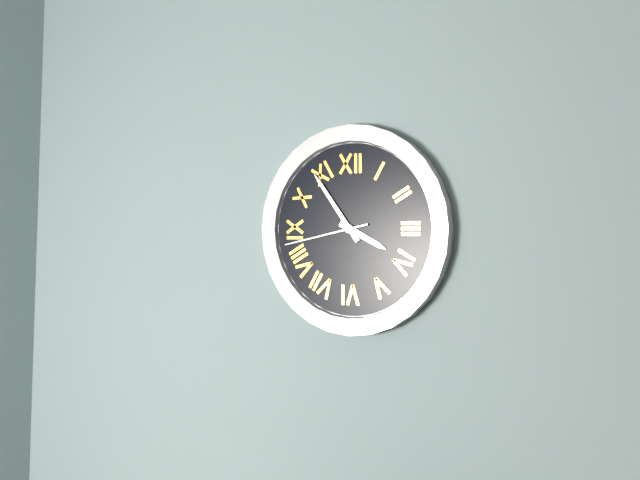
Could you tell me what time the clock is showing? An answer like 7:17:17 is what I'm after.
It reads 3:54:43
